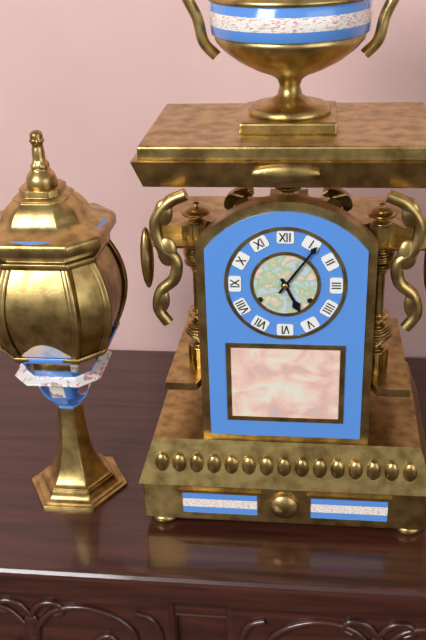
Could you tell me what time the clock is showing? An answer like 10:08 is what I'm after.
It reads 5:06
